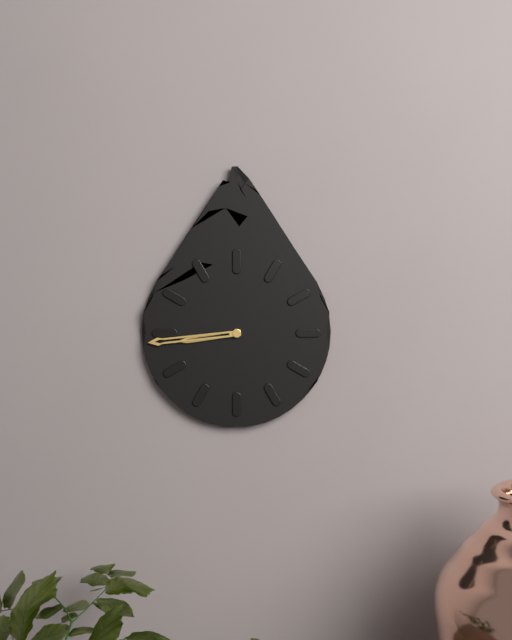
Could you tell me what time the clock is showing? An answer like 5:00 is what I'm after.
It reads 8:44
